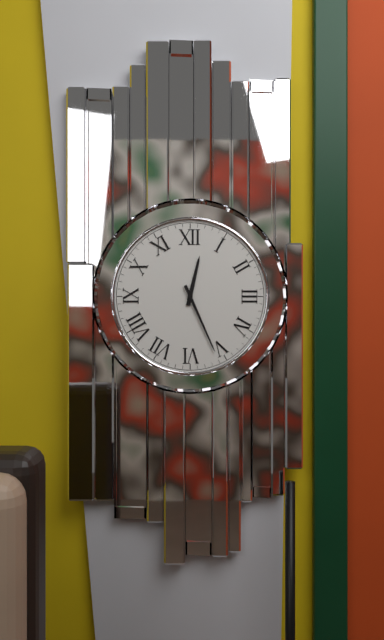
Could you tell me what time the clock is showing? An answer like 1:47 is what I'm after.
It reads 12:26
